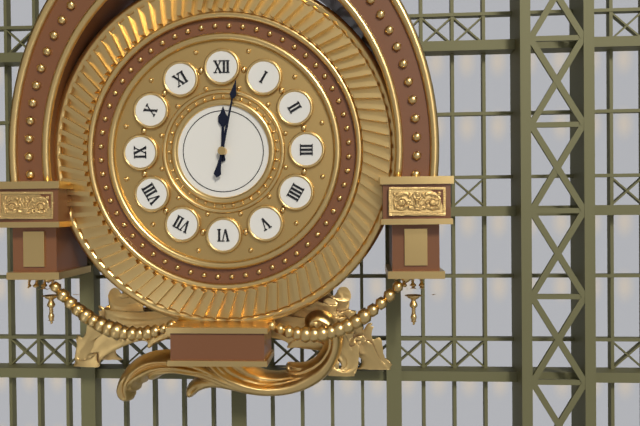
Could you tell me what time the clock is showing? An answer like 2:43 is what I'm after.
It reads 12:02
